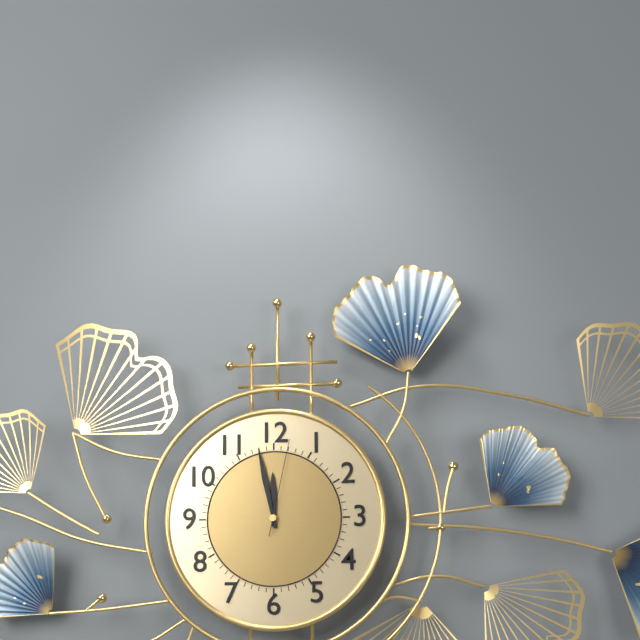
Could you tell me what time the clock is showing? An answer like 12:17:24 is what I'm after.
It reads 11:58:02
